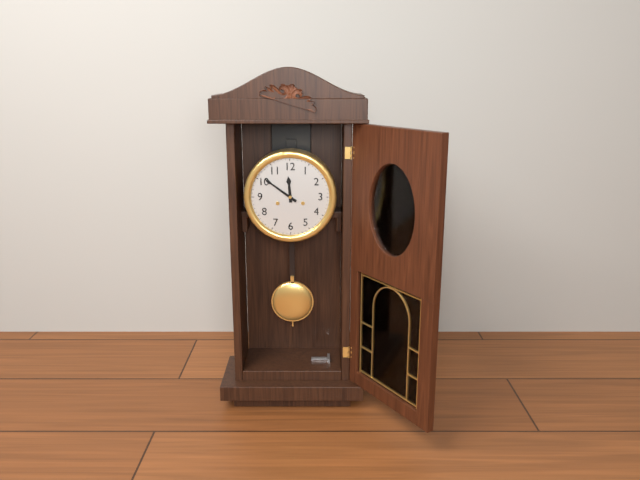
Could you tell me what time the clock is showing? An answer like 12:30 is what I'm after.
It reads 11:51
